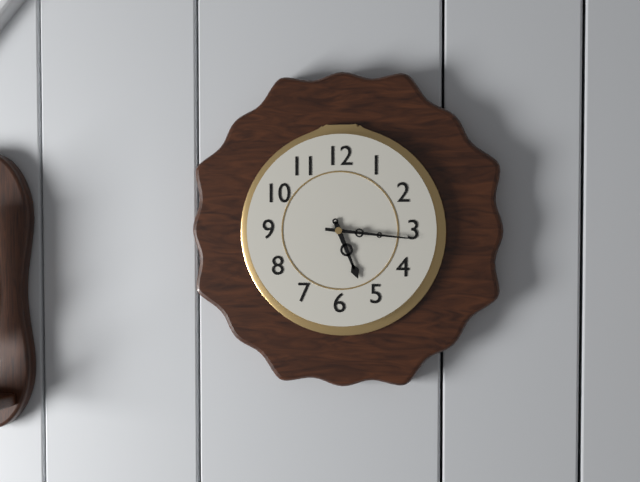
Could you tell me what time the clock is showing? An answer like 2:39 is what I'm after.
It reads 5:16
